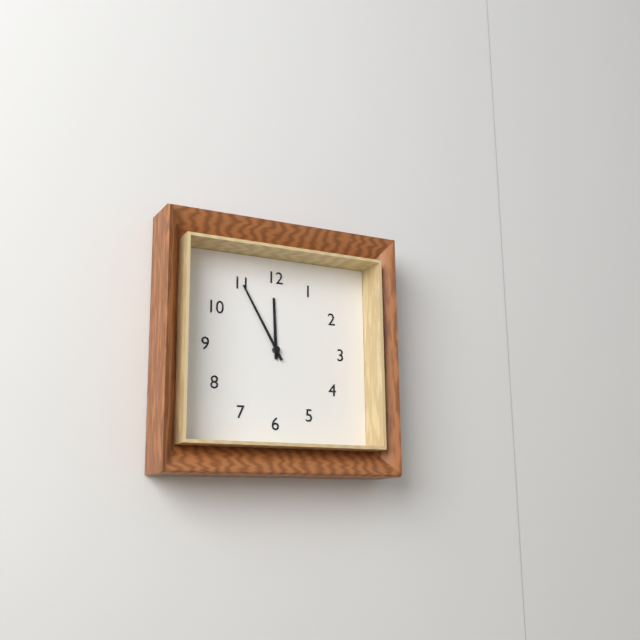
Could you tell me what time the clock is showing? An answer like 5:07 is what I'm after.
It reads 11:55
